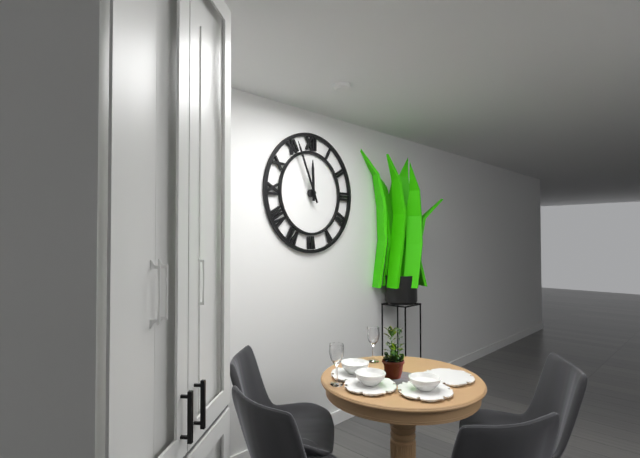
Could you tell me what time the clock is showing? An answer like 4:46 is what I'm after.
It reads 11:56
